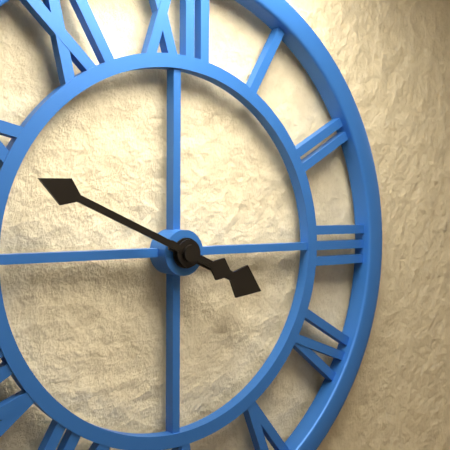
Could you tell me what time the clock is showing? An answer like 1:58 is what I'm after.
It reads 3:49
